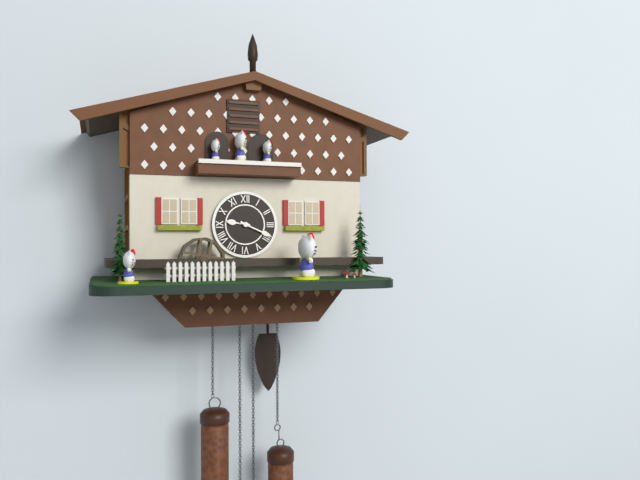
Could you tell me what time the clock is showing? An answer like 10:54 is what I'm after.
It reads 9:19
